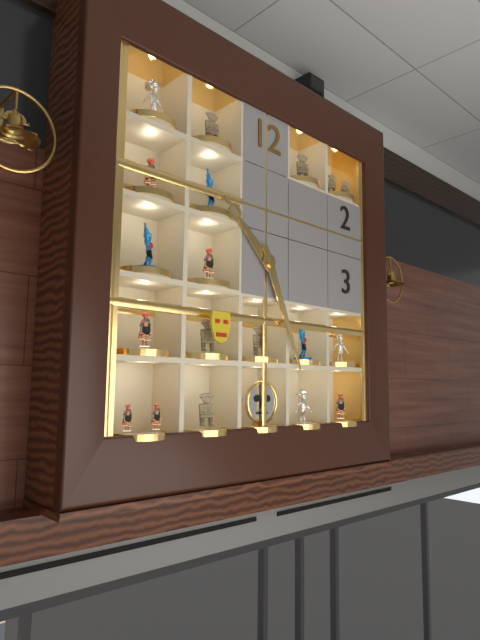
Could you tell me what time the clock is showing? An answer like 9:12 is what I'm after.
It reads 10:26
